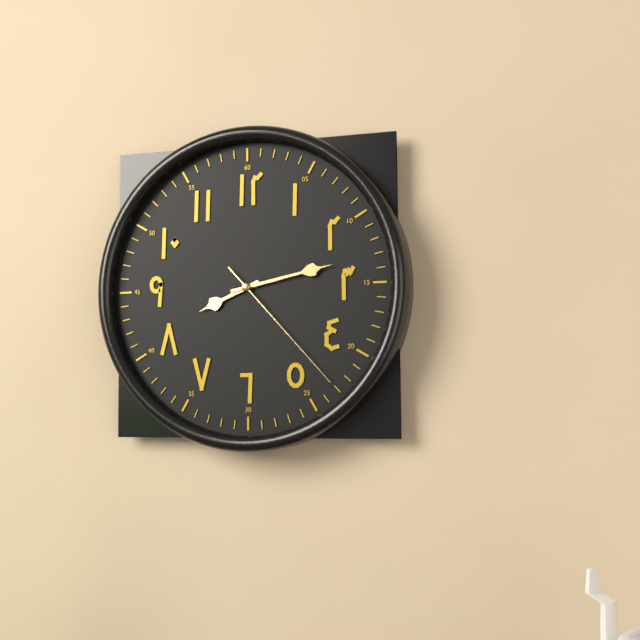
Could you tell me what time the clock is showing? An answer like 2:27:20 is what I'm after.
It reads 8:13:23
